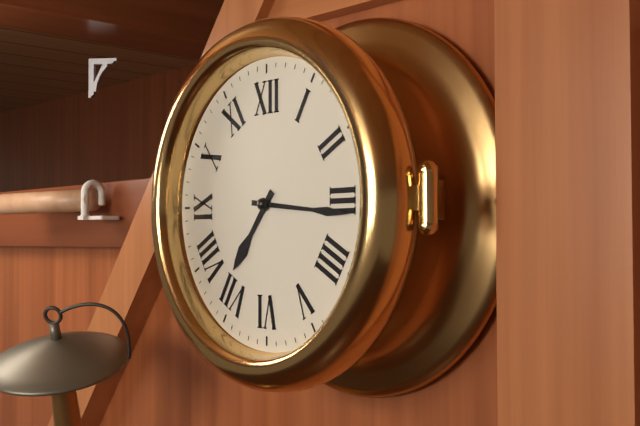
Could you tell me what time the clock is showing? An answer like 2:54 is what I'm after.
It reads 7:16
